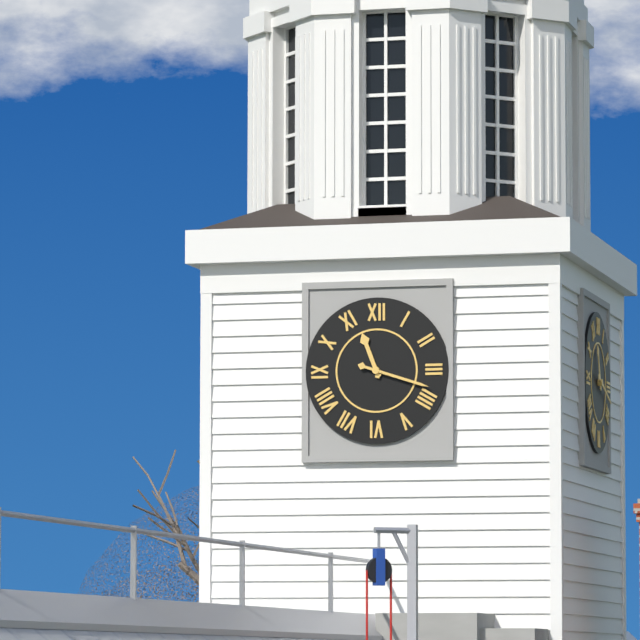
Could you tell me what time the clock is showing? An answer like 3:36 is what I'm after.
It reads 11:18
